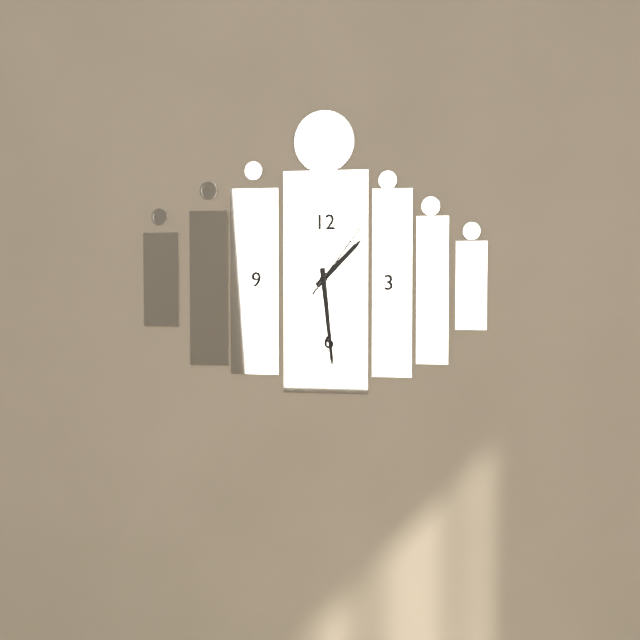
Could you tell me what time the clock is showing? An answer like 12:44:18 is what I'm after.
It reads 1:29:06
